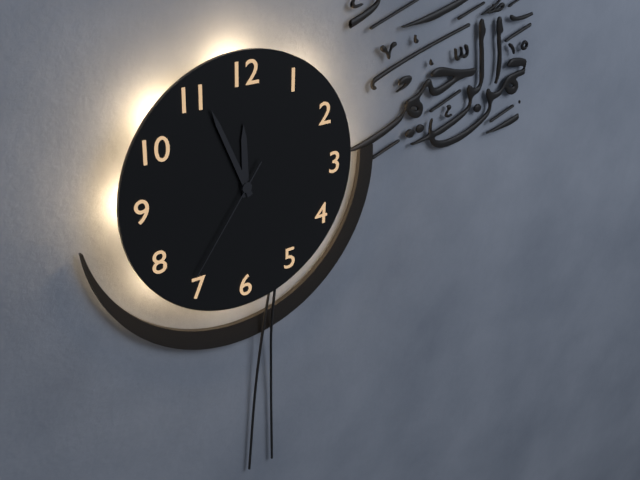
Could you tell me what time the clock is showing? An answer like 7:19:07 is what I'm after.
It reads 11:56:36
